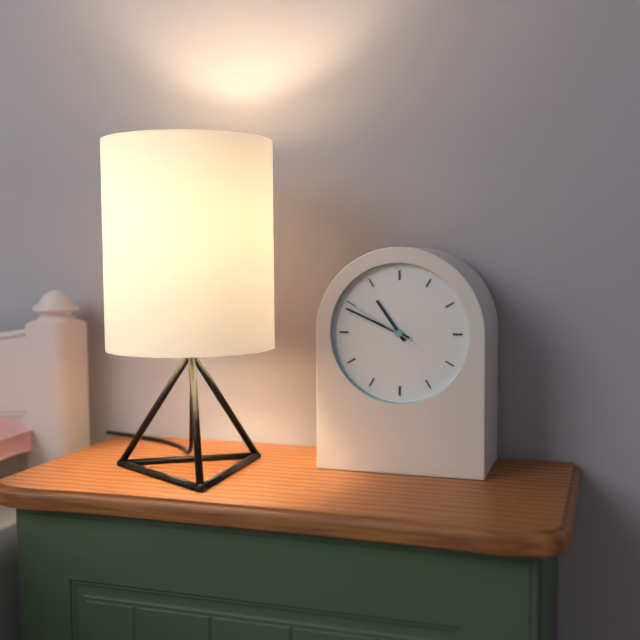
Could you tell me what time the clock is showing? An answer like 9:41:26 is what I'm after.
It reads 10:49:50
